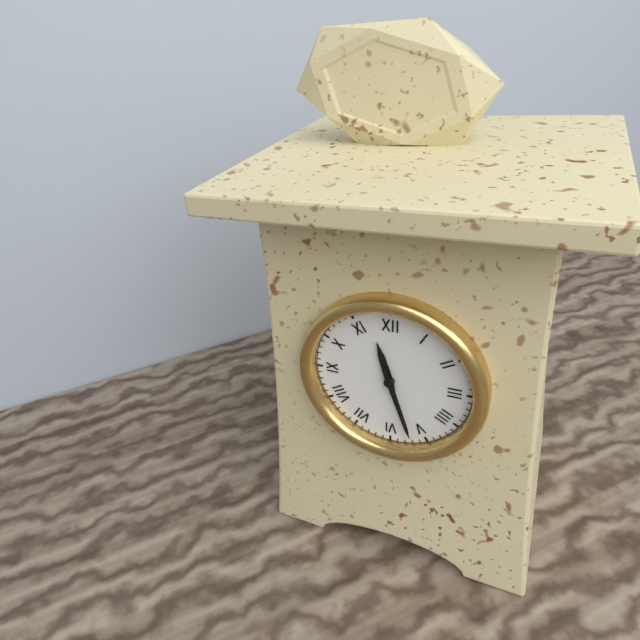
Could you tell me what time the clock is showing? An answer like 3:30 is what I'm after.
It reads 11:27
